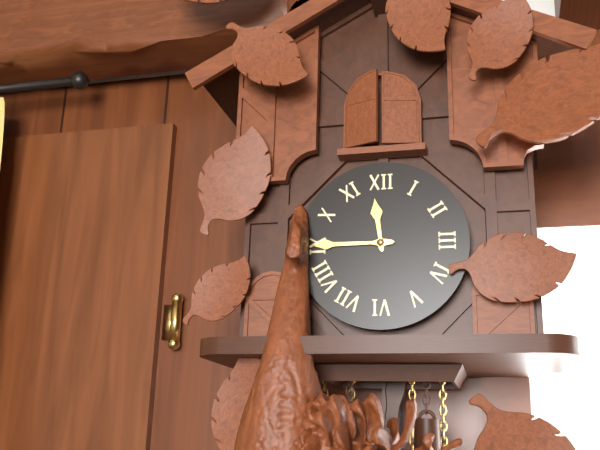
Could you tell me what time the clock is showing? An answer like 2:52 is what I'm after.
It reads 11:45
